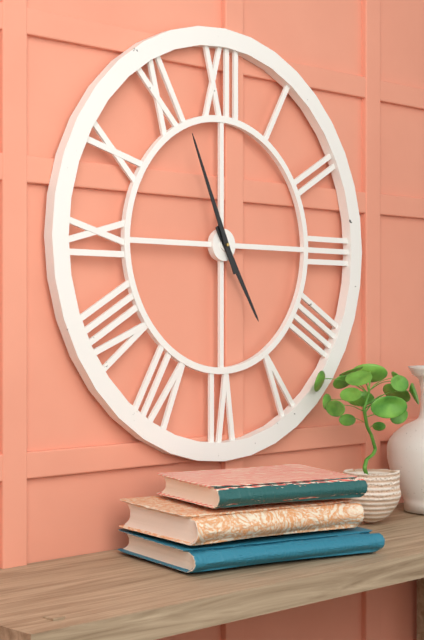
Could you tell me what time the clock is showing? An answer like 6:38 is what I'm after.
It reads 4:56
